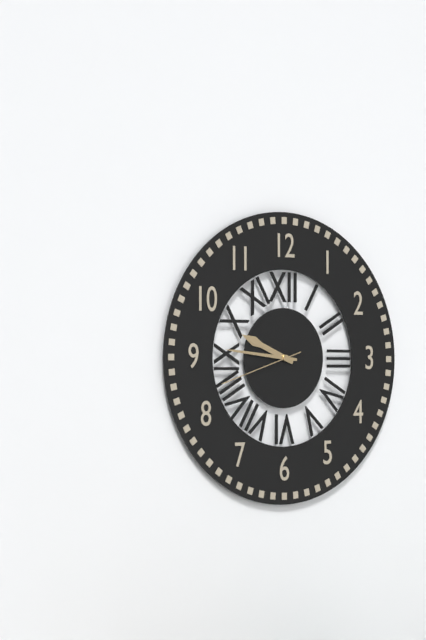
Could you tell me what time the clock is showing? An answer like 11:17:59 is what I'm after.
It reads 9:46:42
